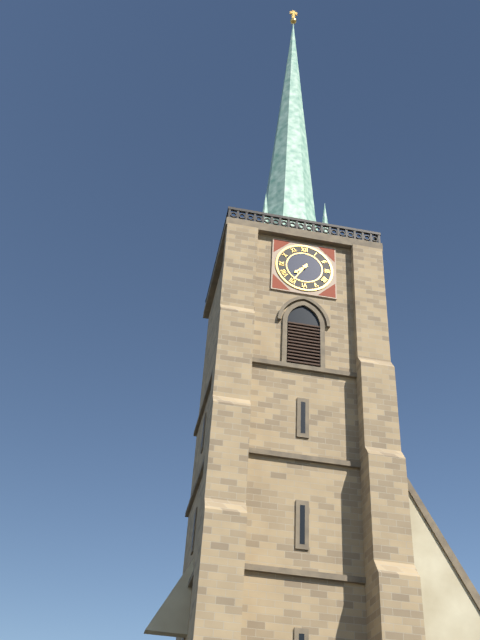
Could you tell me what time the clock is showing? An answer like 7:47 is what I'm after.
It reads 7:35
